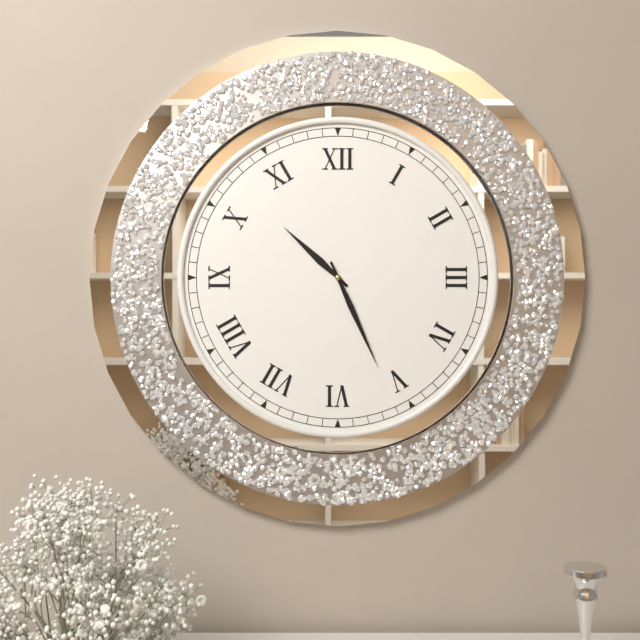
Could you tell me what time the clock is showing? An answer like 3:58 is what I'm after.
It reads 10:26
